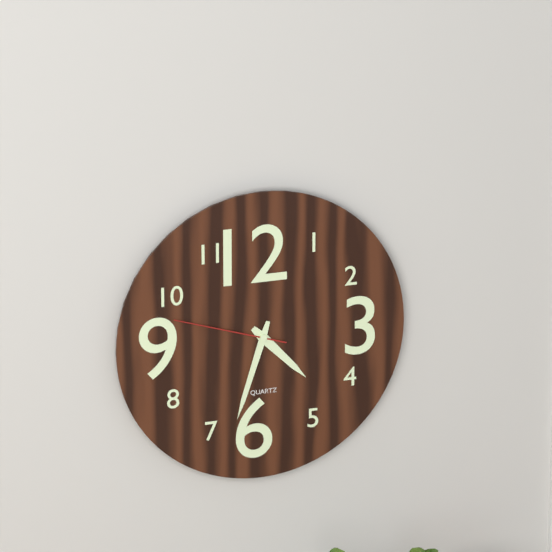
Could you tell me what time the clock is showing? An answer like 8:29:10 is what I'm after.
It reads 4:33:48
